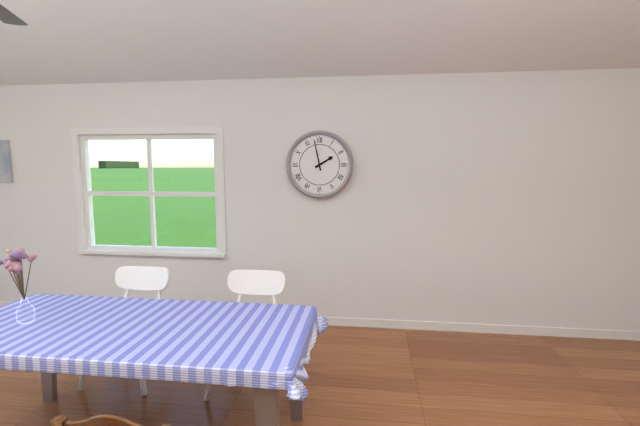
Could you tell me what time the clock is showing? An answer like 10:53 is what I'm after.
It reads 1:58
